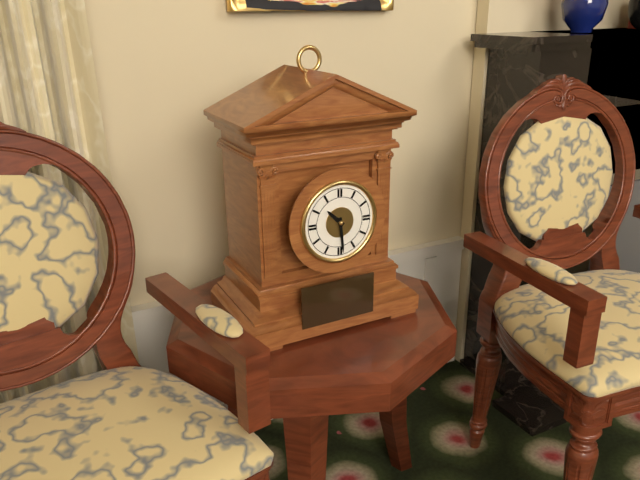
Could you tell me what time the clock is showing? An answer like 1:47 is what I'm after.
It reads 10:29
